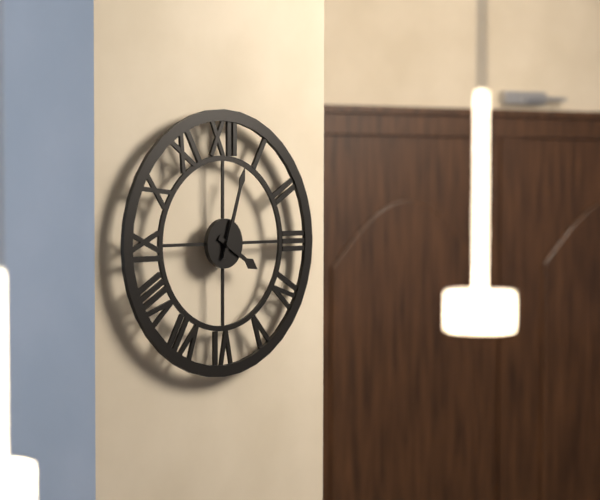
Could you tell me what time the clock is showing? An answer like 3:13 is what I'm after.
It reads 4:03
